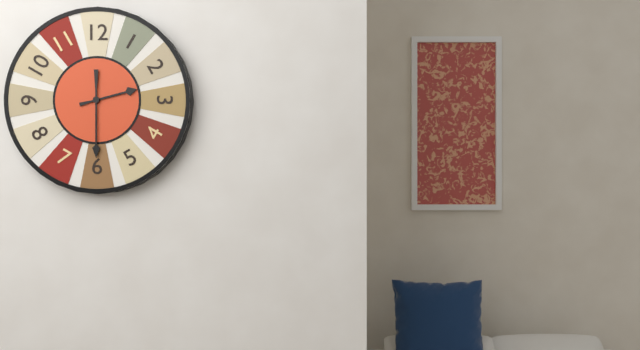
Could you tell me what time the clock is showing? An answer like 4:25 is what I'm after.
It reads 2:30
